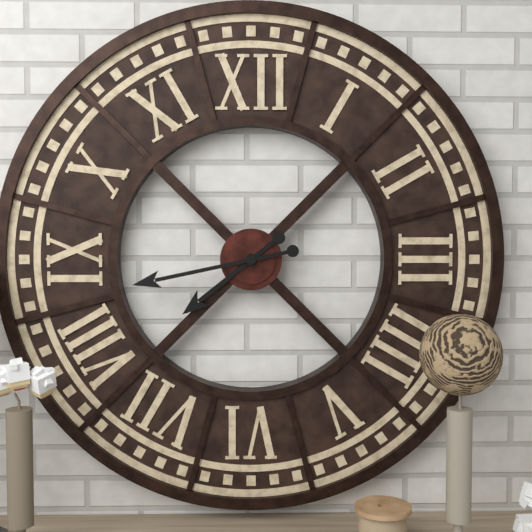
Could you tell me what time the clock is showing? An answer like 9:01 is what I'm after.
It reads 7:43
